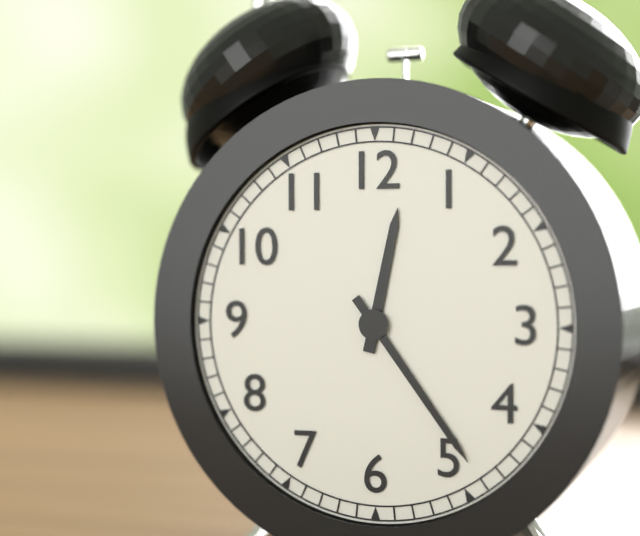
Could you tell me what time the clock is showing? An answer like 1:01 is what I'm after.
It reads 12:24
